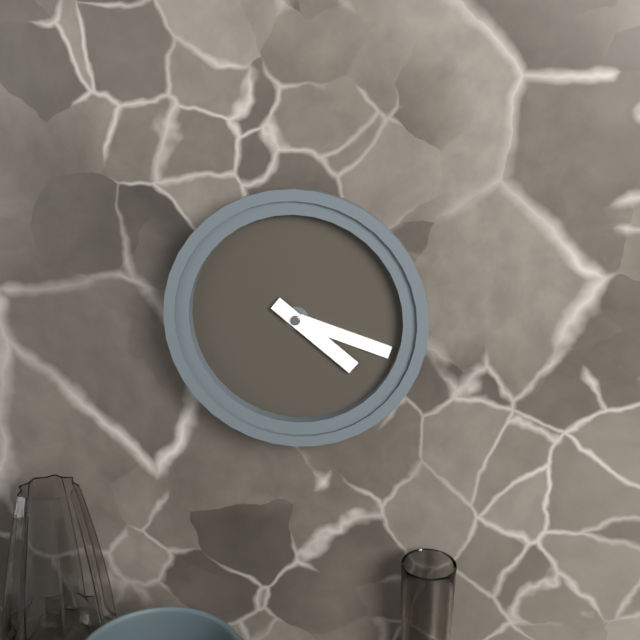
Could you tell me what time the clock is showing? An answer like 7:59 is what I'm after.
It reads 4:18
